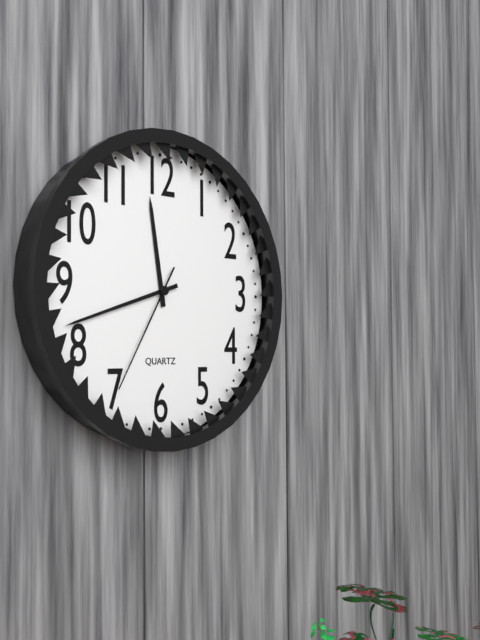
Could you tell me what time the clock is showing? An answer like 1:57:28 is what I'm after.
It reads 11:42:35
